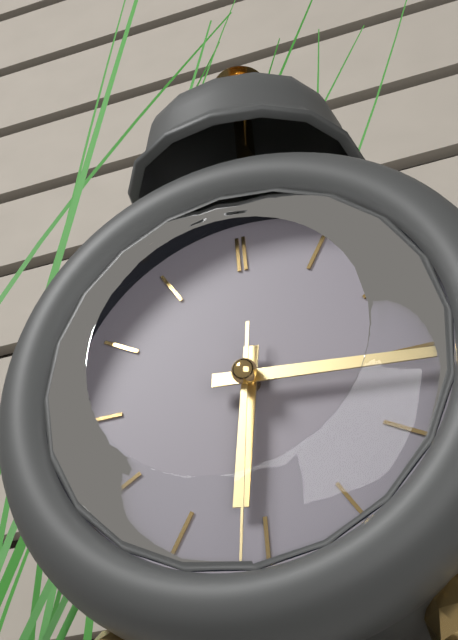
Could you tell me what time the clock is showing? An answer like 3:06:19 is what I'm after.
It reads 6:16:31
